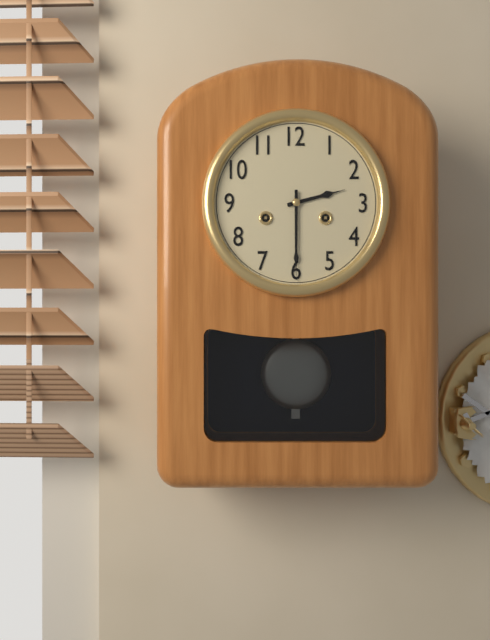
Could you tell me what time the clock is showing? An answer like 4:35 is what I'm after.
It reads 2:30
